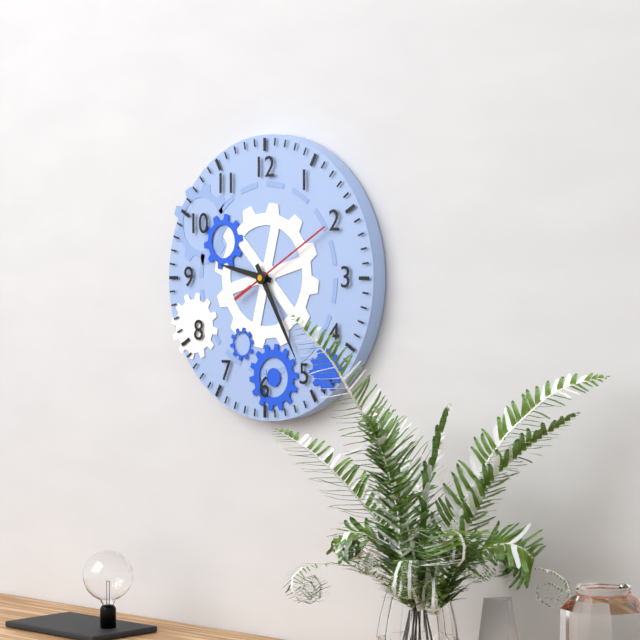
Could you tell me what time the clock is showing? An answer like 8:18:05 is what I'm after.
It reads 9:25:10
